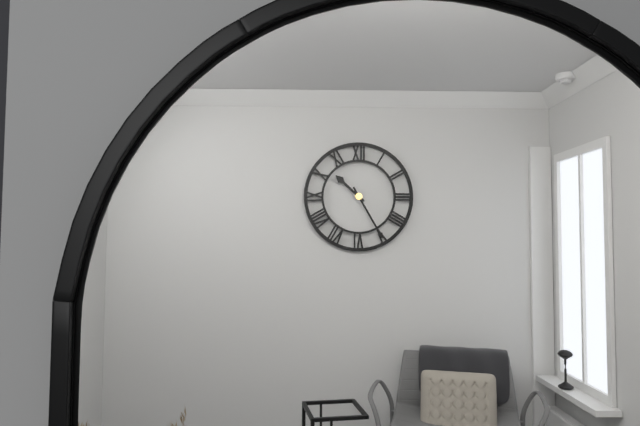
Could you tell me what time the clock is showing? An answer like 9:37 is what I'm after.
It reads 10:25
